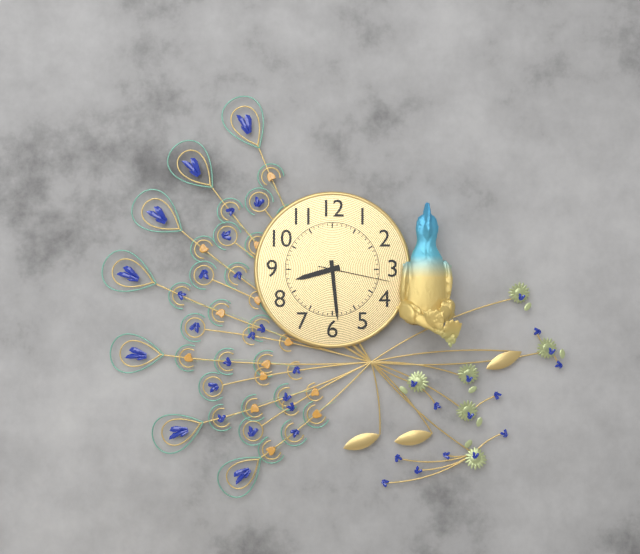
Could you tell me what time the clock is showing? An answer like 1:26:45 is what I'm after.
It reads 8:29:17
